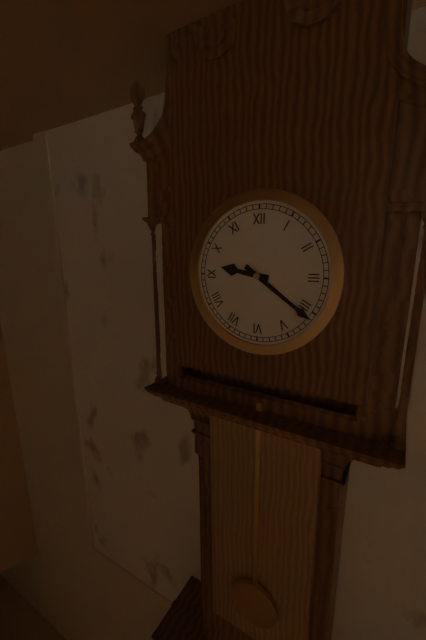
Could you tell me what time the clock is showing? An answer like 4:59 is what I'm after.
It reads 9:21
